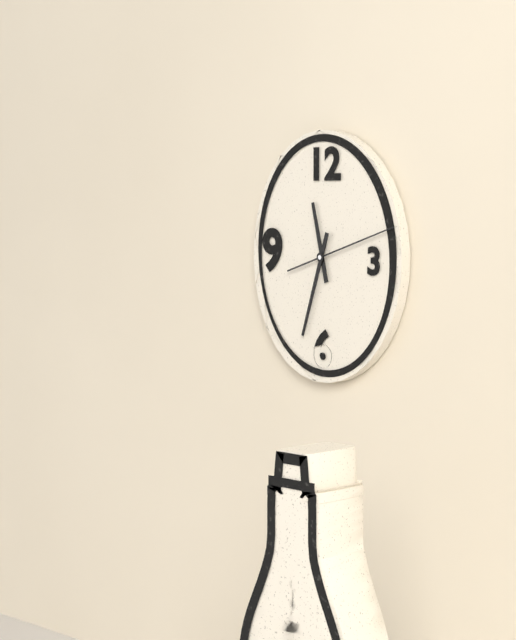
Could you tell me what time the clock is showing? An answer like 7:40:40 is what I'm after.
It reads 11:33:12
